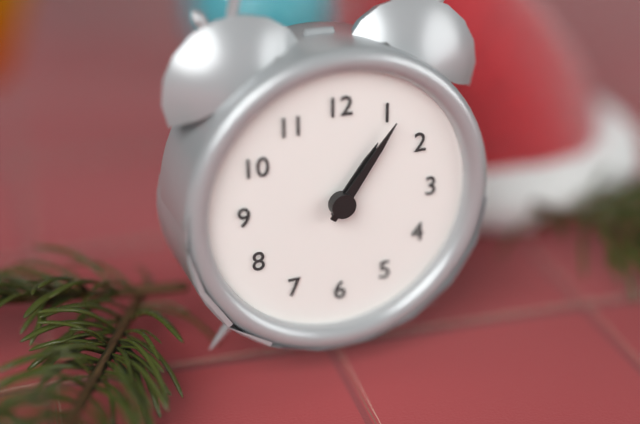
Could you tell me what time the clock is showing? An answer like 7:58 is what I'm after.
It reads 1:06
